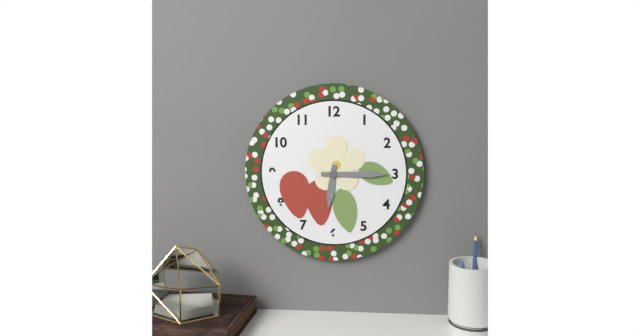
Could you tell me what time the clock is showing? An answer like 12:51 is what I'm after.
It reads 6:15
